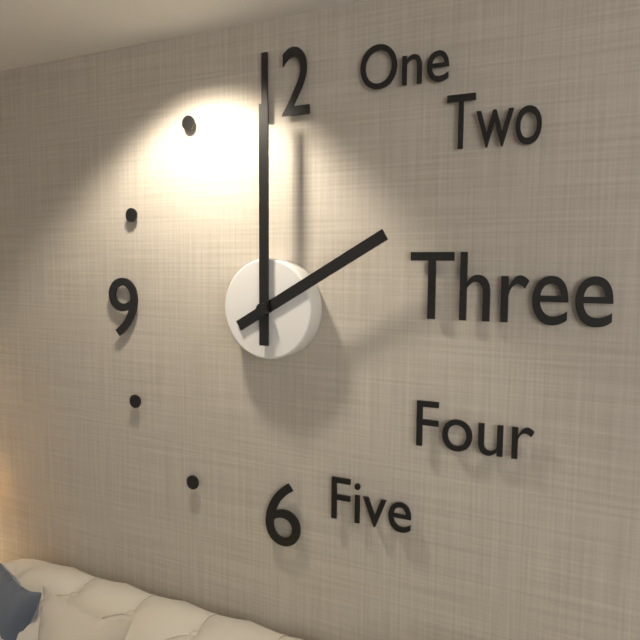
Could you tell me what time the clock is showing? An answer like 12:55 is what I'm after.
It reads 2:00
